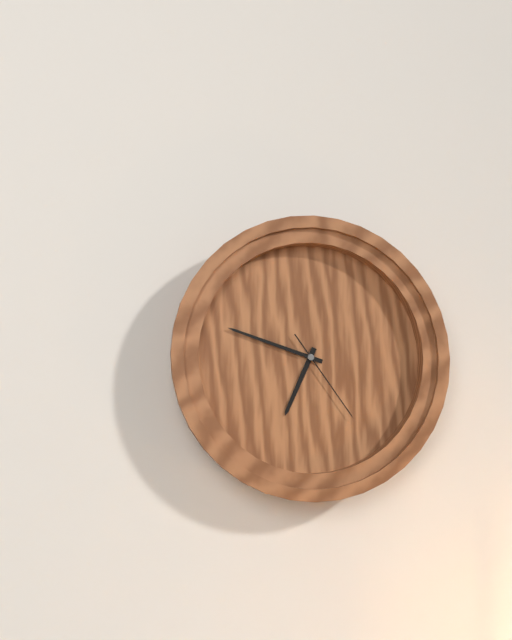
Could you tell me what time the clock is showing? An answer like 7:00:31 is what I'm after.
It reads 6:48:24
